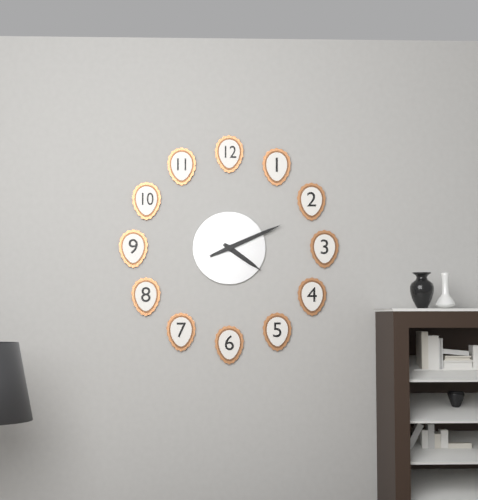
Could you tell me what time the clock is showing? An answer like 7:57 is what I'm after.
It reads 4:11
